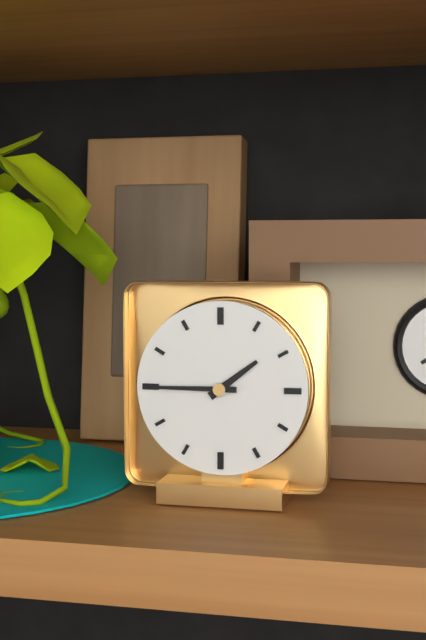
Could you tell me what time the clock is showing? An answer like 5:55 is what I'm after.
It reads 1:45
